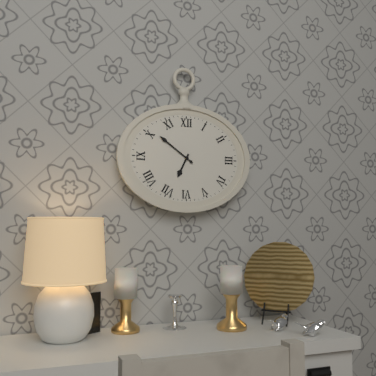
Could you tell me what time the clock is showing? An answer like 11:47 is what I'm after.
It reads 6:51
